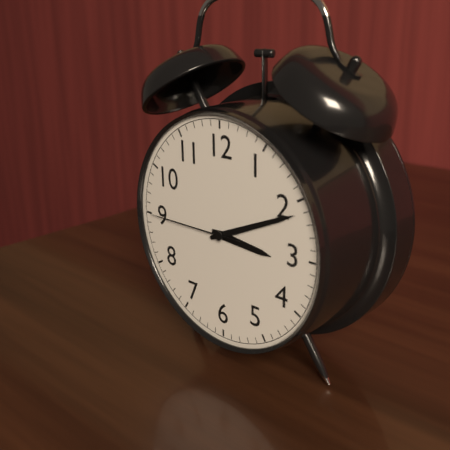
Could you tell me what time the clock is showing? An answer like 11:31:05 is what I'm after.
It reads 3:11:45
